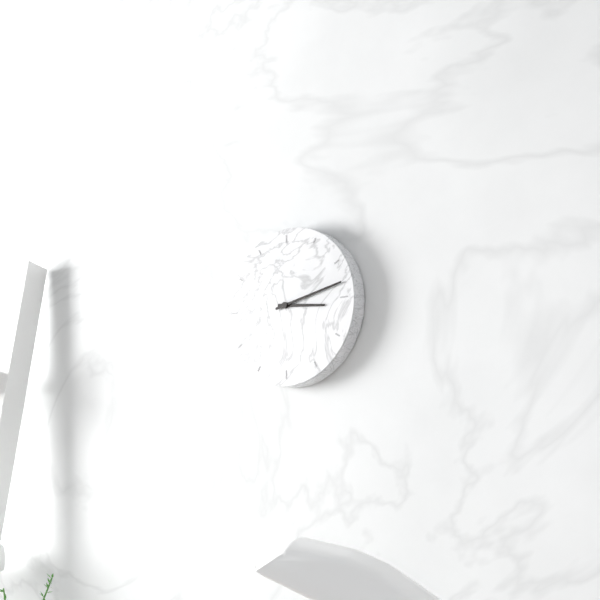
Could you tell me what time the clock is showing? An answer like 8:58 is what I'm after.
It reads 3:13
